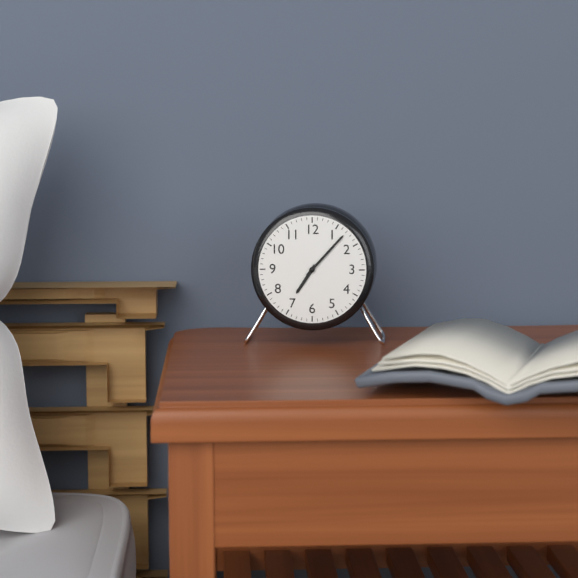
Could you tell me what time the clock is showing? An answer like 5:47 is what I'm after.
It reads 7:07
